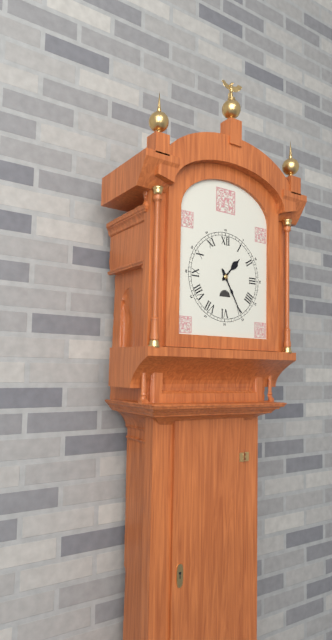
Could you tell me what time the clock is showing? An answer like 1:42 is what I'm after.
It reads 1:25
